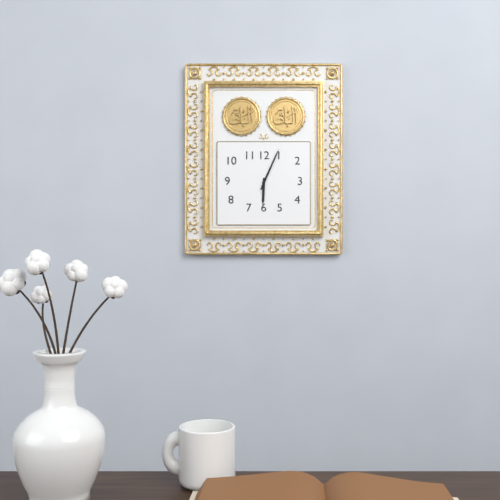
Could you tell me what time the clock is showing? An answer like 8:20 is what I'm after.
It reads 6:04
